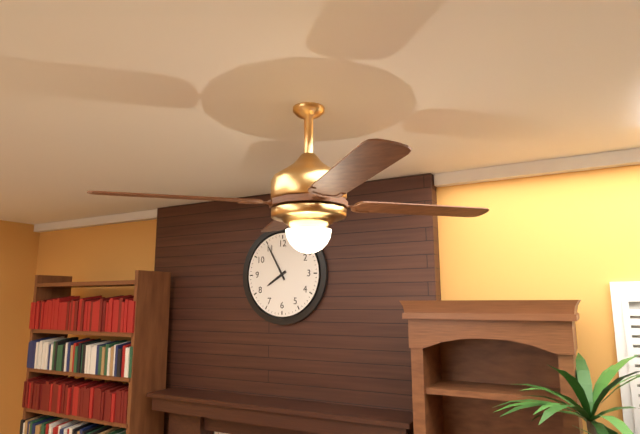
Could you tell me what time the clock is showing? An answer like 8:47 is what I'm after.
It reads 7:55
